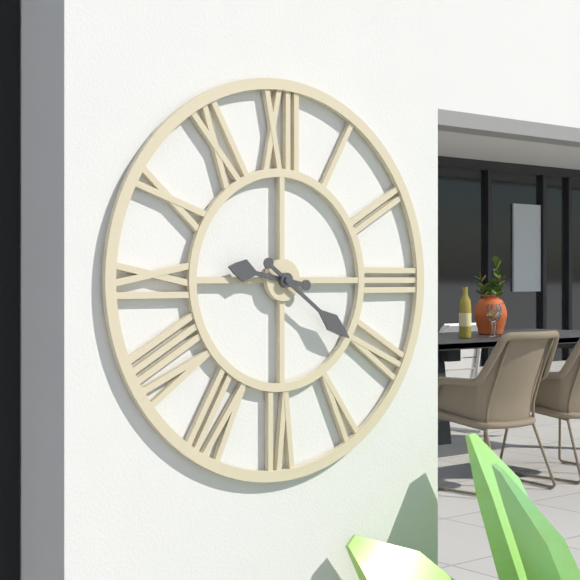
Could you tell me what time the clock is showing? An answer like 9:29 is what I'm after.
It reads 9:21
